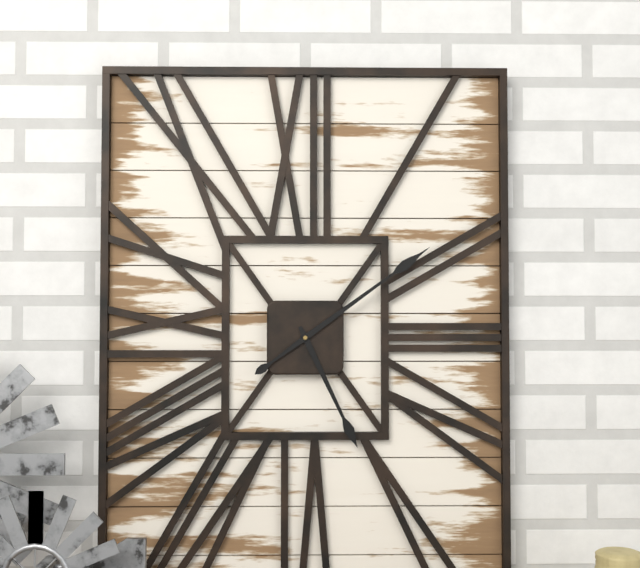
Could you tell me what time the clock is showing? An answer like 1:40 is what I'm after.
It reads 5:09
